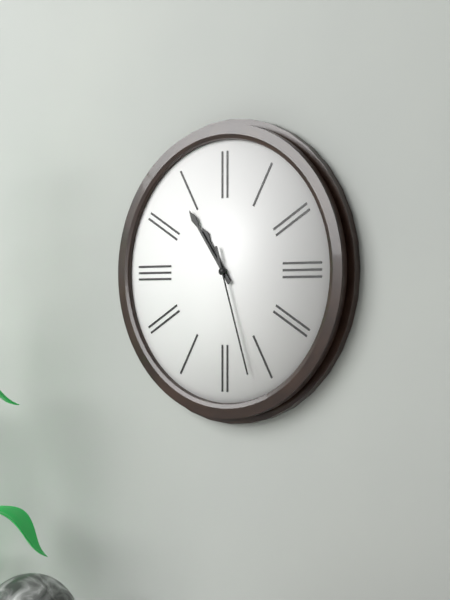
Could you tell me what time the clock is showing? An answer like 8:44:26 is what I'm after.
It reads 10:54:27
